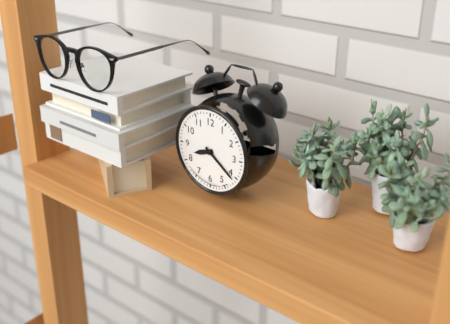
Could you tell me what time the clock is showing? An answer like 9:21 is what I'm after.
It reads 8:21
